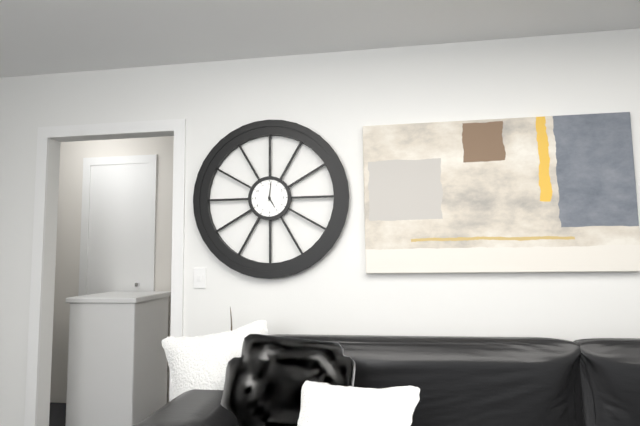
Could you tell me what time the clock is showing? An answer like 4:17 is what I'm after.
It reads 5:01
